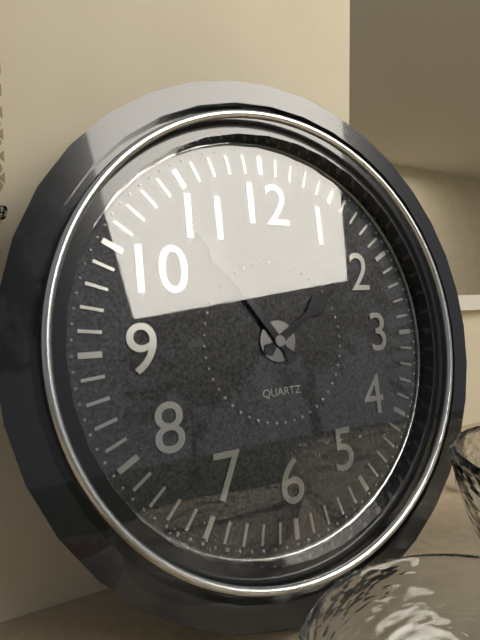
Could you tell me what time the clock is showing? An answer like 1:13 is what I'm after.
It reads 1:54
